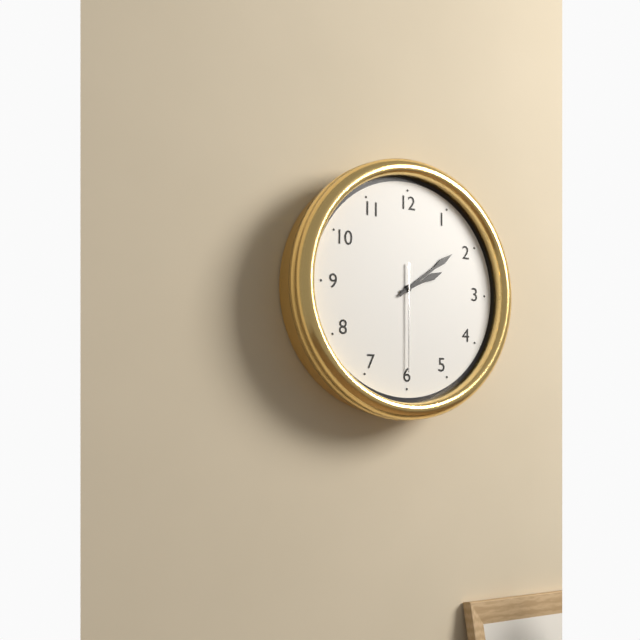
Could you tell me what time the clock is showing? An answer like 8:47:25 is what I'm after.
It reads 2:09:30
